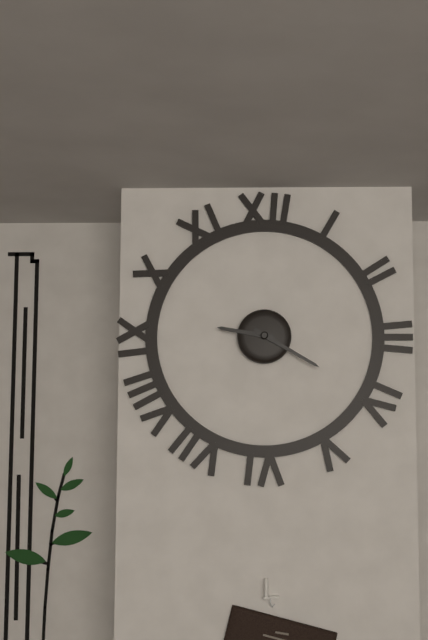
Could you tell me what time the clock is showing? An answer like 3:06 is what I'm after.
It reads 9:20
